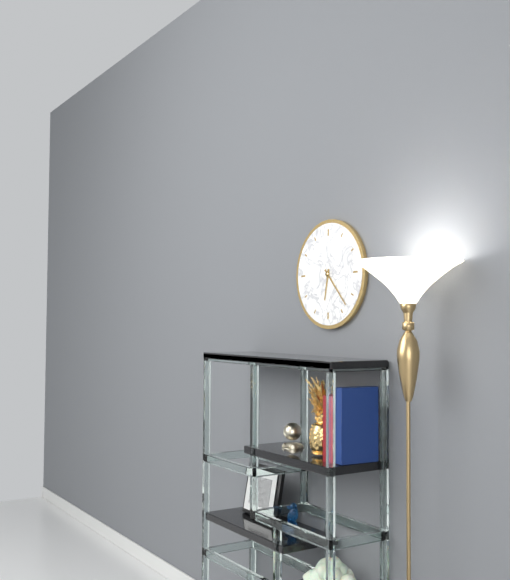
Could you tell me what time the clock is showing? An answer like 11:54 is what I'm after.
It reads 6:23
